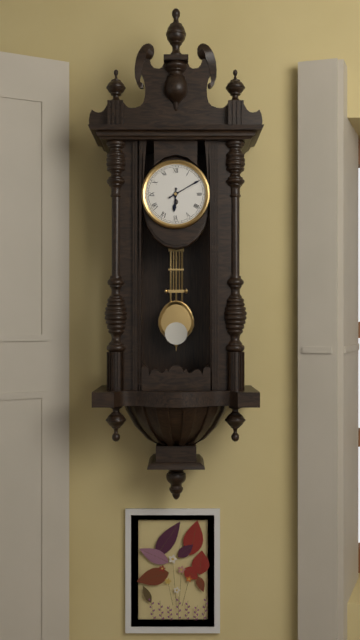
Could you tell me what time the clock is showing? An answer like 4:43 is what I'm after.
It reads 6:10
